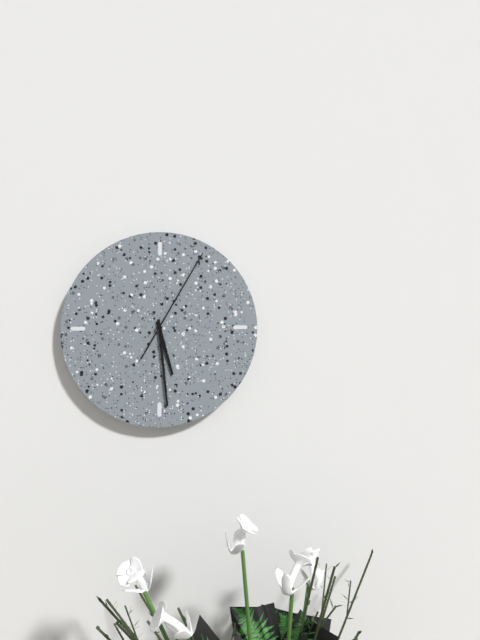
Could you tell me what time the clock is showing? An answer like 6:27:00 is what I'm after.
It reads 5:29:05
